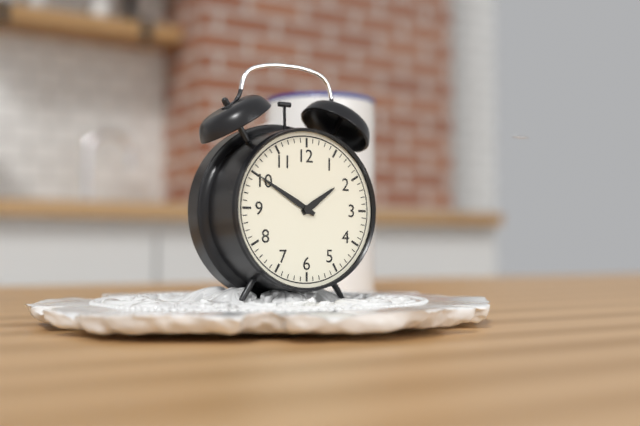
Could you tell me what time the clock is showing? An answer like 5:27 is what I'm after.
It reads 1:50
